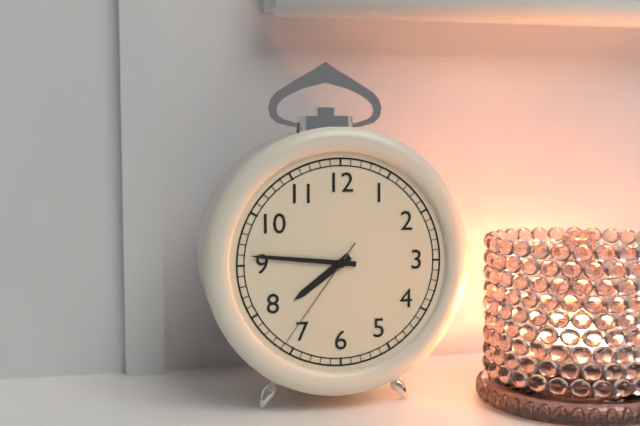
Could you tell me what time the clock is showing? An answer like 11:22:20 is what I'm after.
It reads 7:46:36
